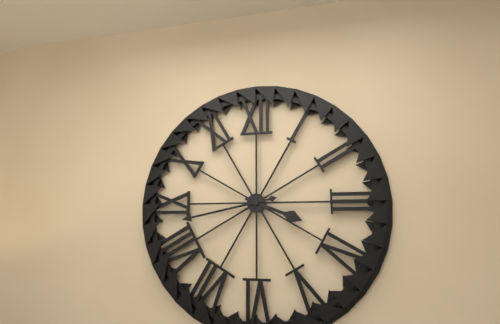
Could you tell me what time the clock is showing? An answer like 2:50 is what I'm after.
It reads 3:43
